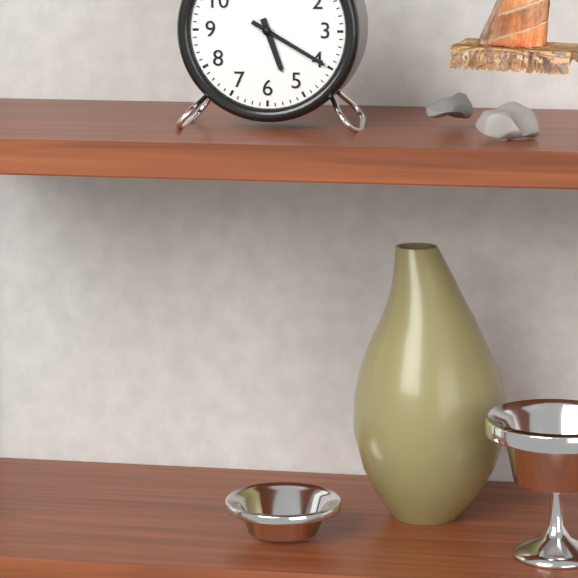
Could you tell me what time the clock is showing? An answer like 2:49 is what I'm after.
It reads 5:20
